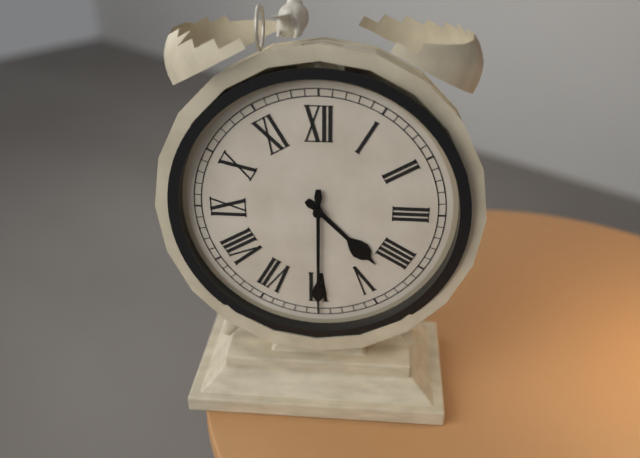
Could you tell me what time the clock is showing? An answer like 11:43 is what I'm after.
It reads 4:30
